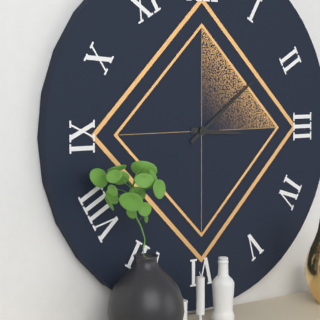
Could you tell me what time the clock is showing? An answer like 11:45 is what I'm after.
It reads 3:09
